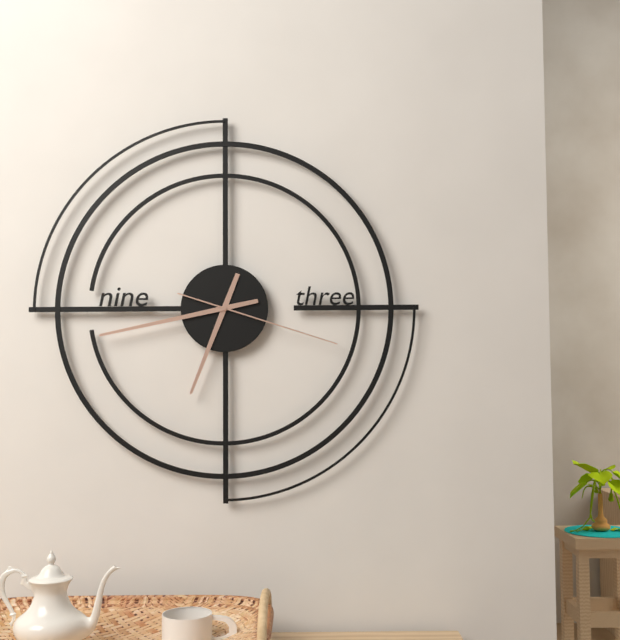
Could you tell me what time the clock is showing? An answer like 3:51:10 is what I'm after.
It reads 6:43:18
